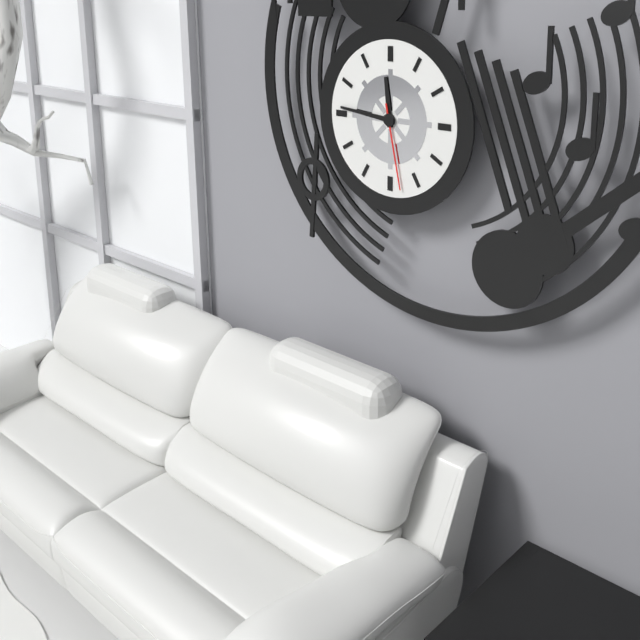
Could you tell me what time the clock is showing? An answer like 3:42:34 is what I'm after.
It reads 11:46:28
